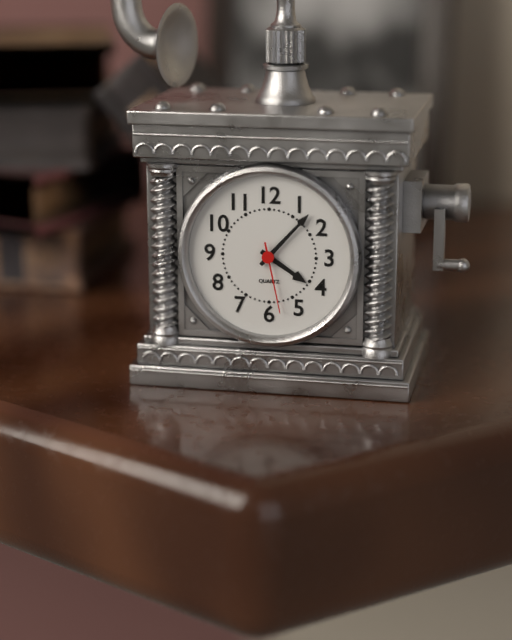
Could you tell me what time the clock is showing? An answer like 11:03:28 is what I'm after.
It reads 4:07:28
